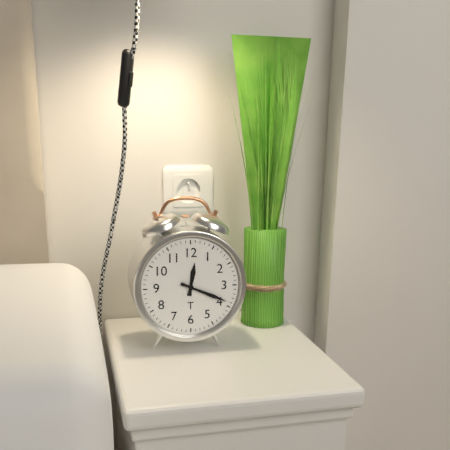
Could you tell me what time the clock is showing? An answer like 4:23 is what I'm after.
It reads 12:19
